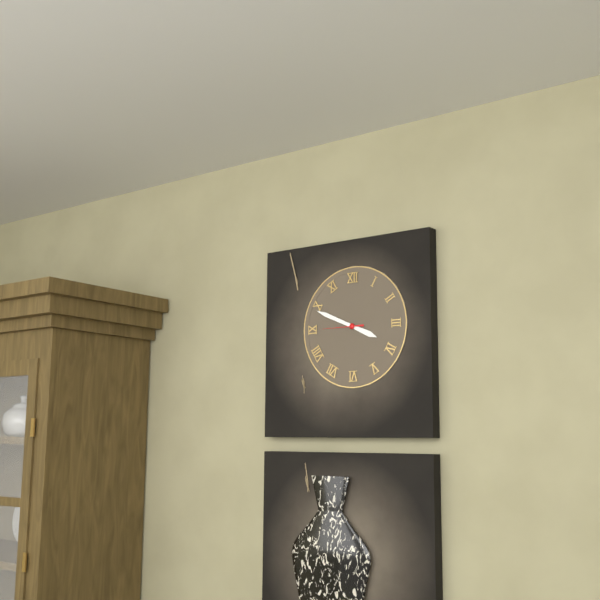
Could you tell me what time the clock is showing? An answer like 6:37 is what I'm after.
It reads 3:49
